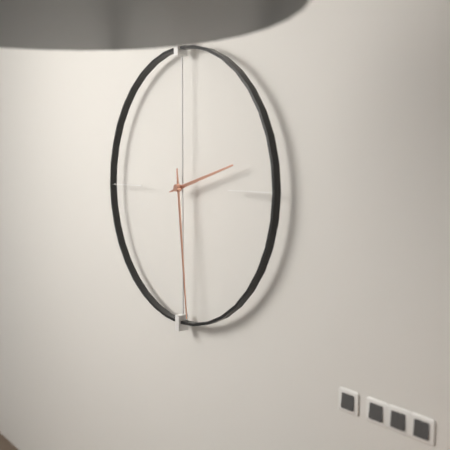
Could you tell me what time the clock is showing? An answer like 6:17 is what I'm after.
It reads 2:29
